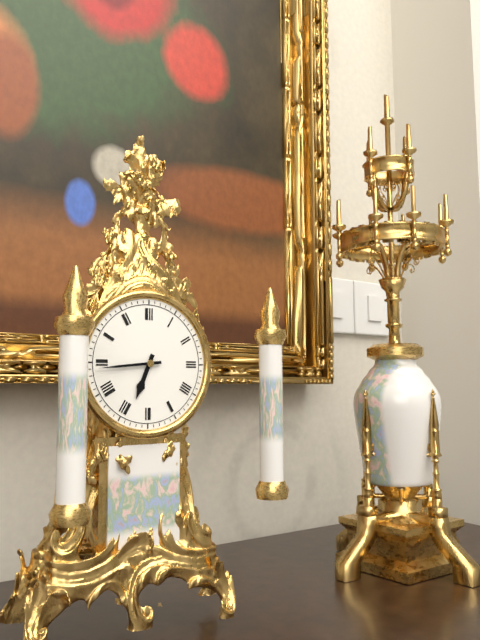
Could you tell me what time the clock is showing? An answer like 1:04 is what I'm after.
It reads 6:44
